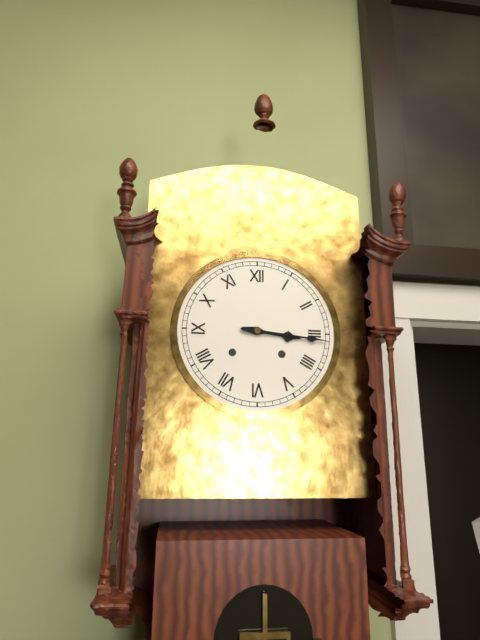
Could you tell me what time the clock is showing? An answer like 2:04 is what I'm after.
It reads 3:16
